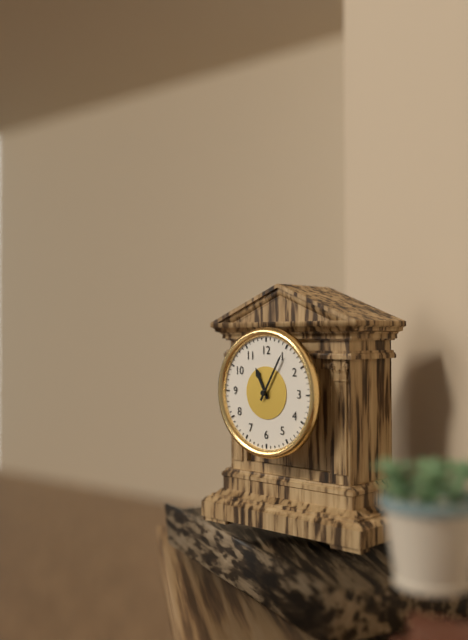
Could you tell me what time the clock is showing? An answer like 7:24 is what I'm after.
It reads 11:05
